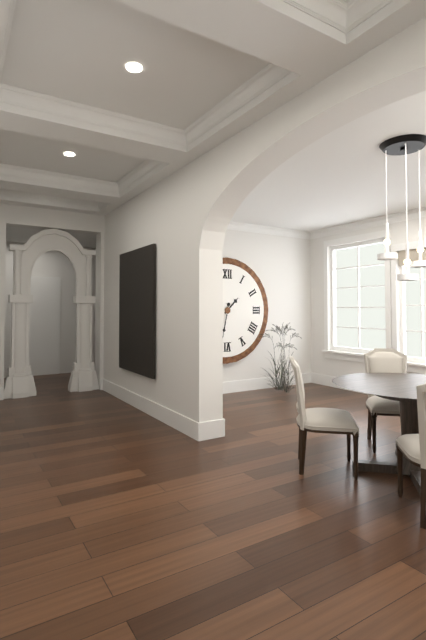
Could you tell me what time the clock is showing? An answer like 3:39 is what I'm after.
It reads 1:32
